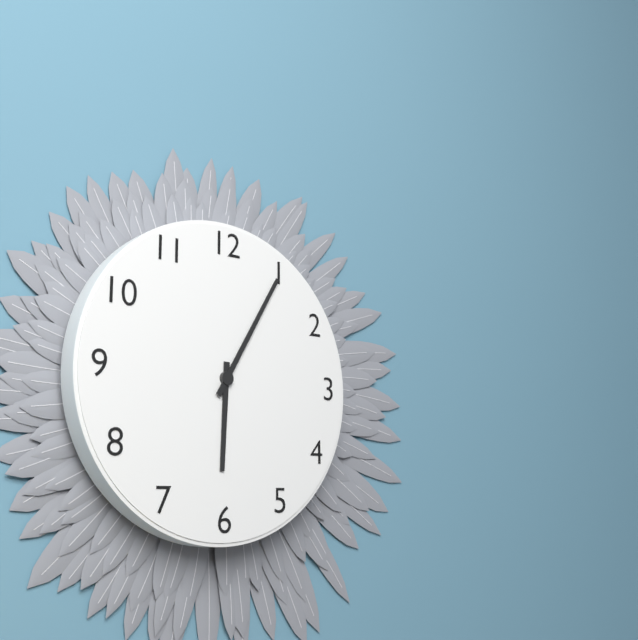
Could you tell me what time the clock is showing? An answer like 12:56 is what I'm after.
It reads 6:05
